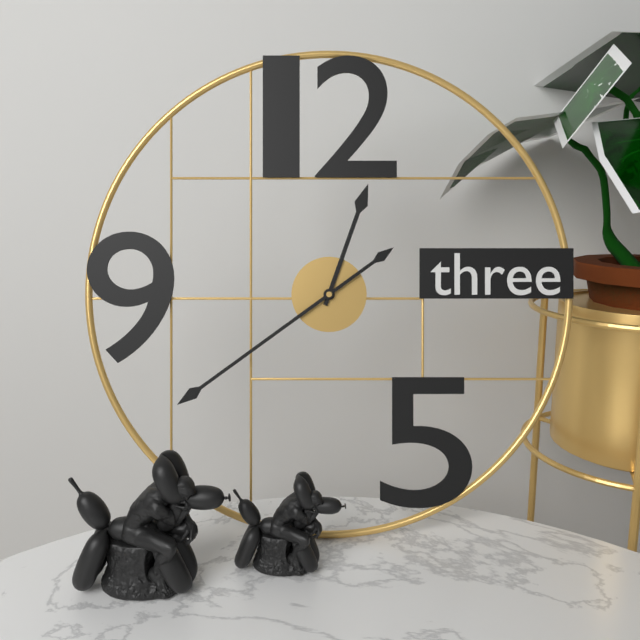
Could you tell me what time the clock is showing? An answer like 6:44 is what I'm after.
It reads 12:39
